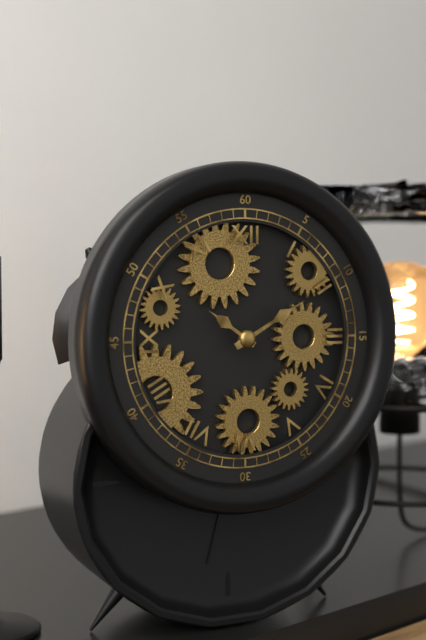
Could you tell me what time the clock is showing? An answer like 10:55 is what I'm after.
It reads 10:10
